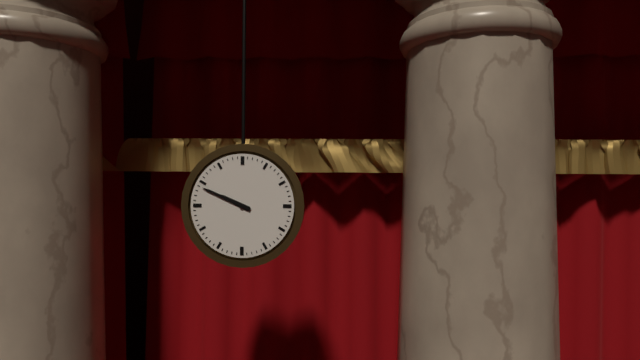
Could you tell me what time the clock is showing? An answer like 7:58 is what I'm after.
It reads 9:49
